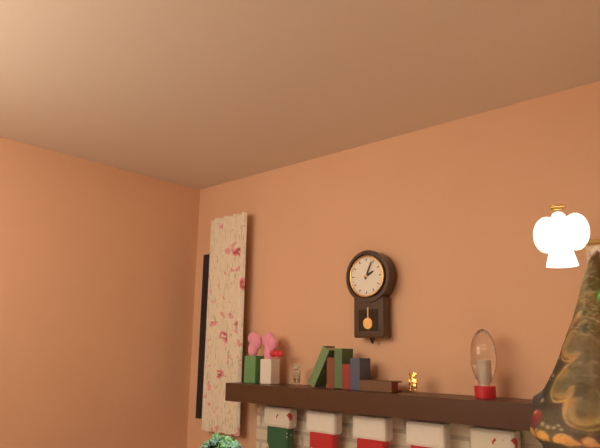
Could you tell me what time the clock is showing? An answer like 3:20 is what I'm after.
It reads 2:04
